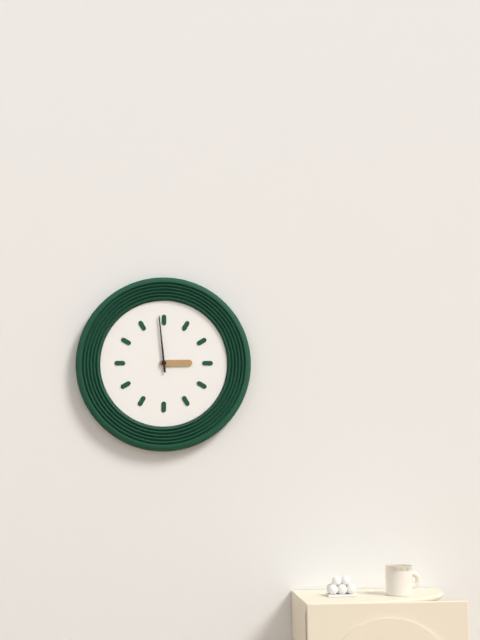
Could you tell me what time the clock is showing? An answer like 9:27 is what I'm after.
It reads 2:59
